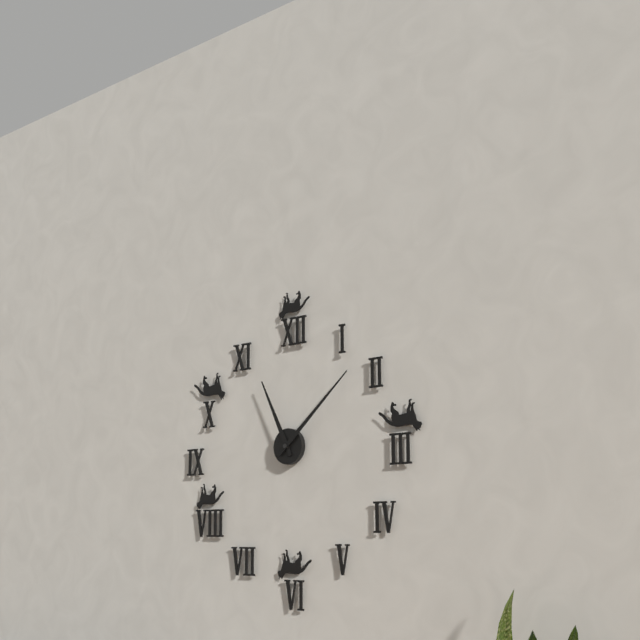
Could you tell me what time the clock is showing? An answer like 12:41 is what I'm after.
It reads 11:08
